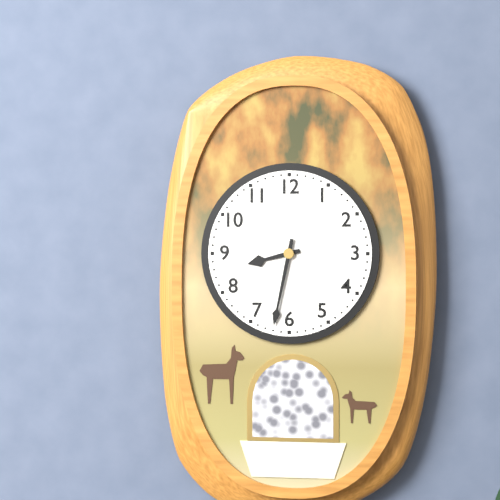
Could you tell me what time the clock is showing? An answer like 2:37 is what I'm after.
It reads 8:32
